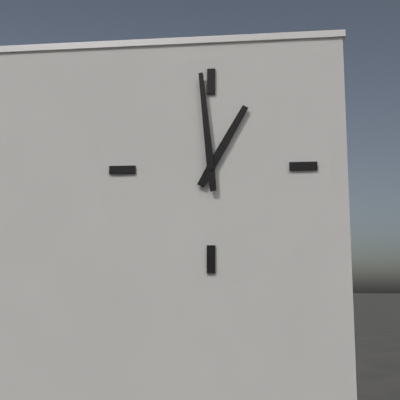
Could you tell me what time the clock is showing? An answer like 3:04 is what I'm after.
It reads 12:59
